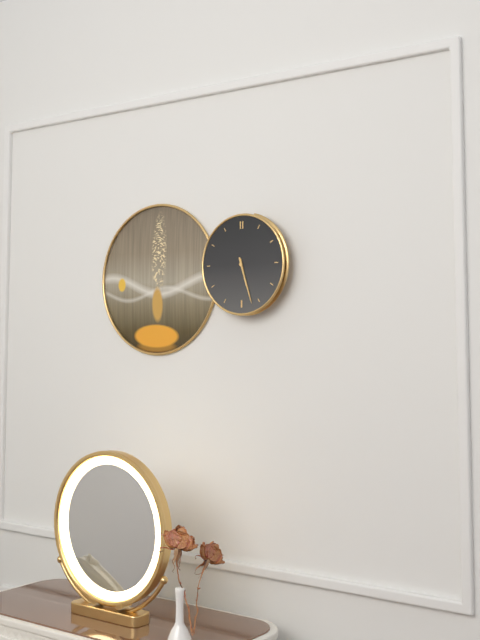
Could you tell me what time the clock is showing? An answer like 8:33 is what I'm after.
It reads 5:27
